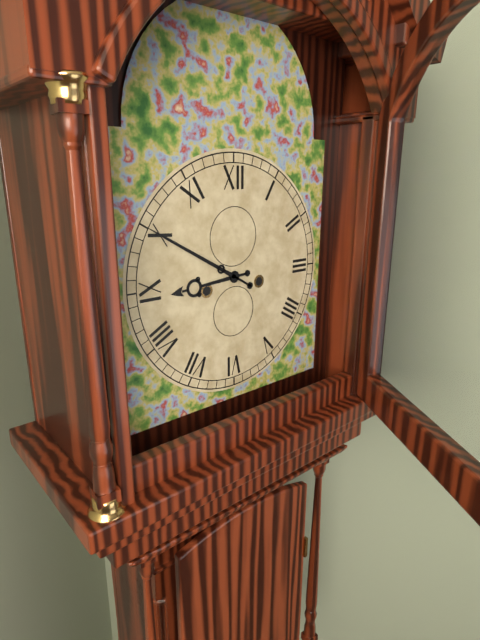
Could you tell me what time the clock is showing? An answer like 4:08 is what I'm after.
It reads 8:50
